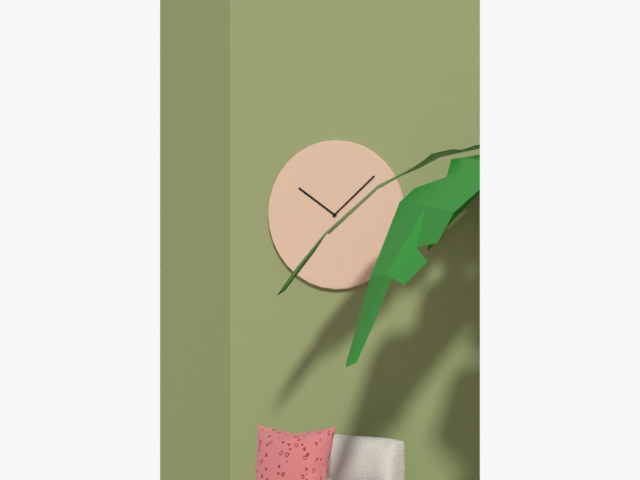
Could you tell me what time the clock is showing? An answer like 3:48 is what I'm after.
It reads 10:08
